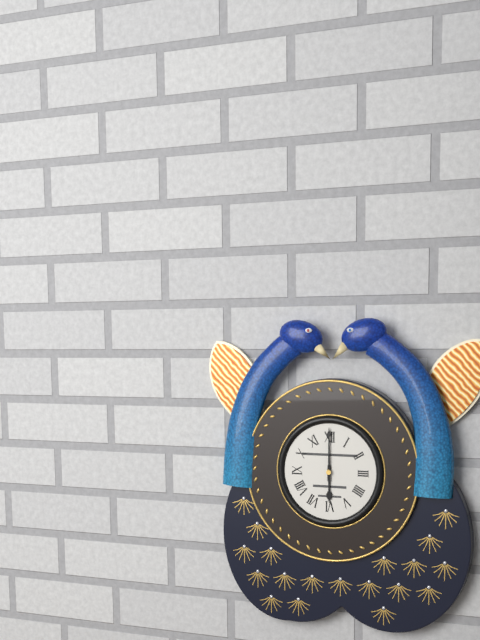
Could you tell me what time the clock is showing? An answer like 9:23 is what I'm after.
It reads 6:00
